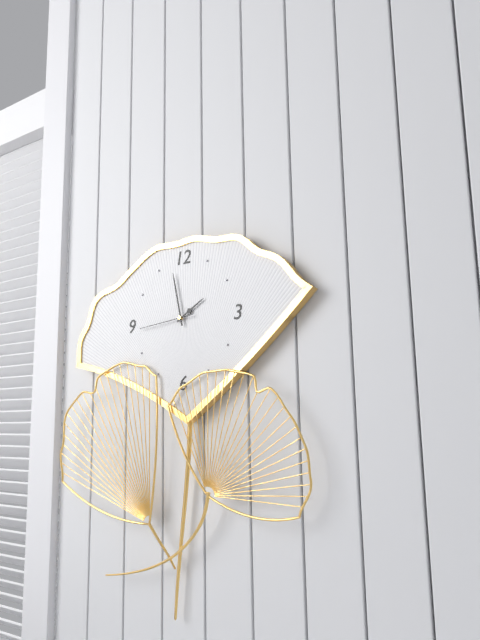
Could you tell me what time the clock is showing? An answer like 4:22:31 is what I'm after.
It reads 1:58:44
